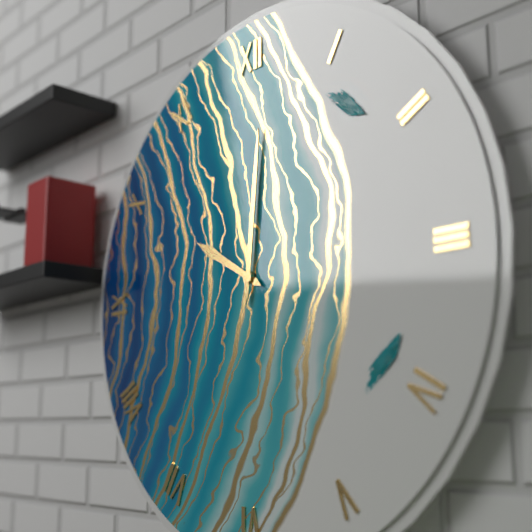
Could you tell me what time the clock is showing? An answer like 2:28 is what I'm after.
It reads 10:01
